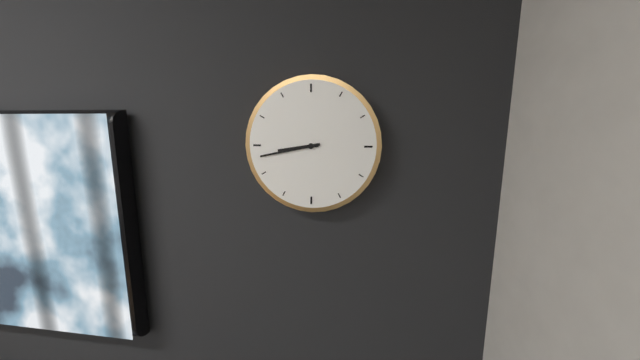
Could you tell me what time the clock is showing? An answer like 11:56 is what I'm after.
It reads 8:43
